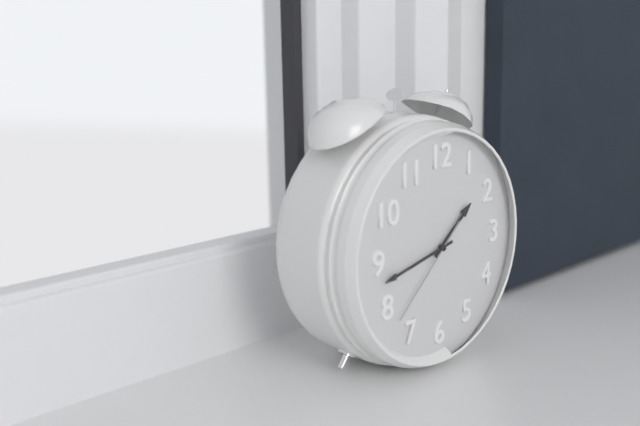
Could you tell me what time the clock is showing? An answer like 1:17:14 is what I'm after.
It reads 1:43:38
